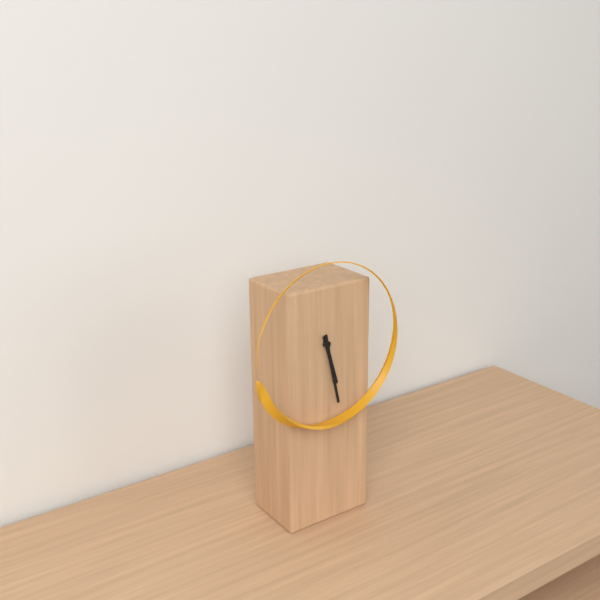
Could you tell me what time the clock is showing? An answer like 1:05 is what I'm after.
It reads 5:28
